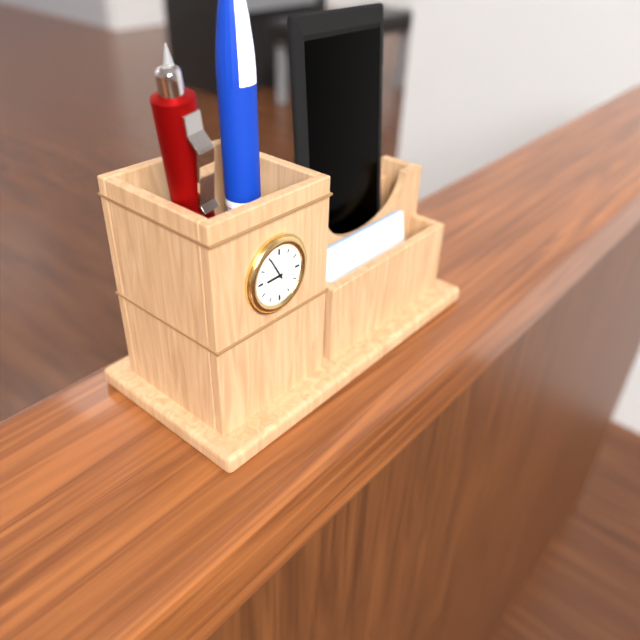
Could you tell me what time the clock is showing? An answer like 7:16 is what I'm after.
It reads 8:55
